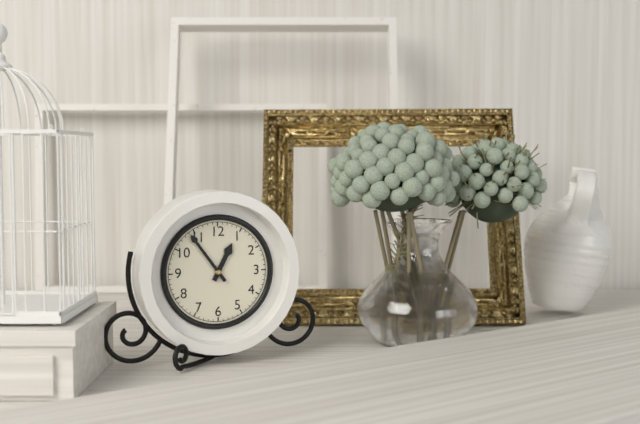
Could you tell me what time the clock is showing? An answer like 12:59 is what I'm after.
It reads 12:54
